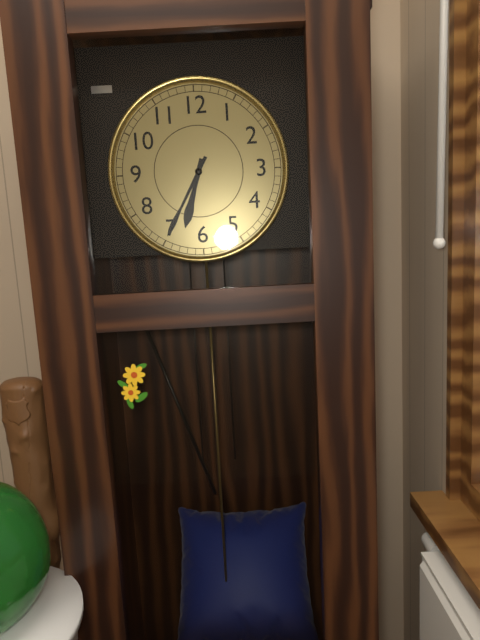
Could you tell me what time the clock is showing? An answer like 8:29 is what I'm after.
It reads 6:35
